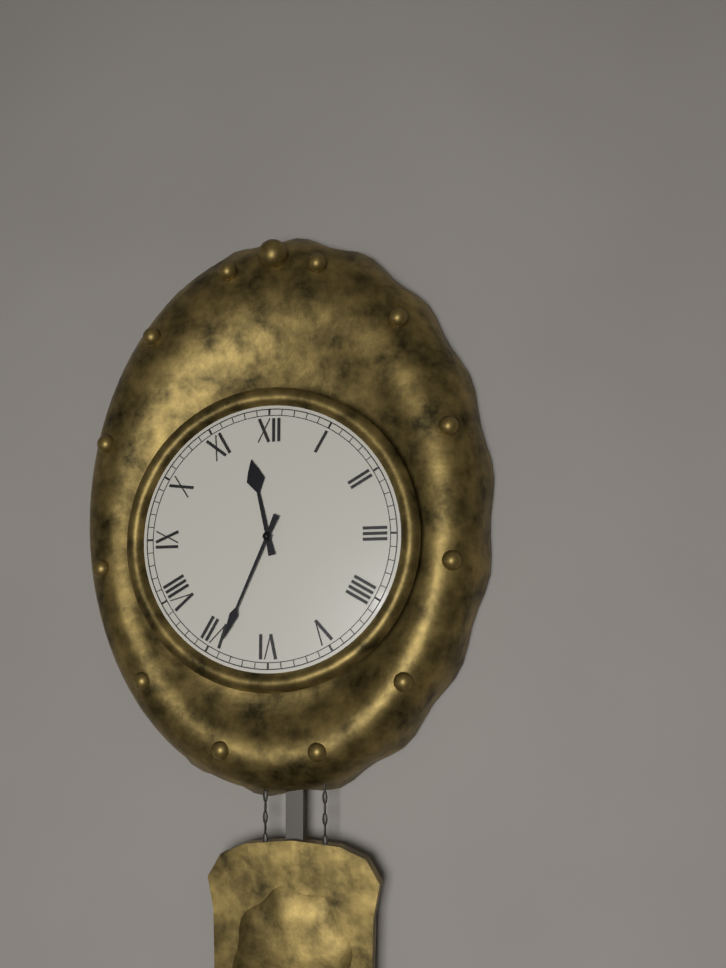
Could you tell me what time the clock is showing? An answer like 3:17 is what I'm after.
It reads 11:34
